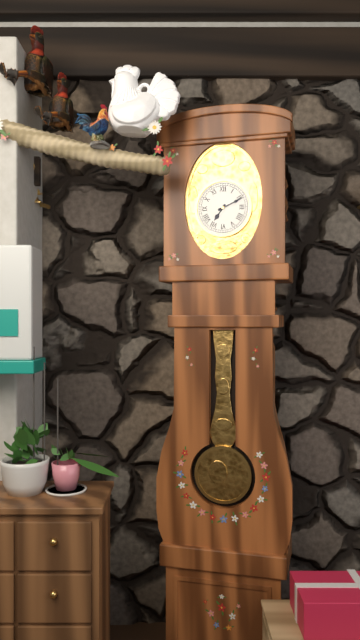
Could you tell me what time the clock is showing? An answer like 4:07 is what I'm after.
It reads 7:11
